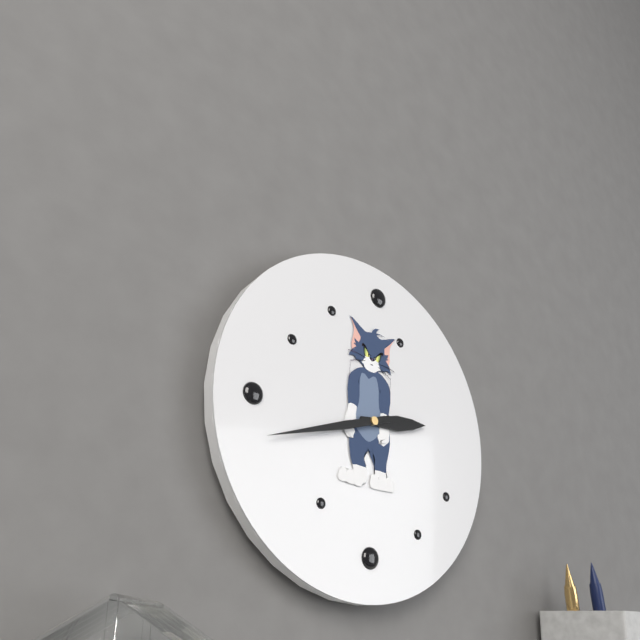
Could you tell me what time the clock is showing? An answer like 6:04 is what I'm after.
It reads 2:42
